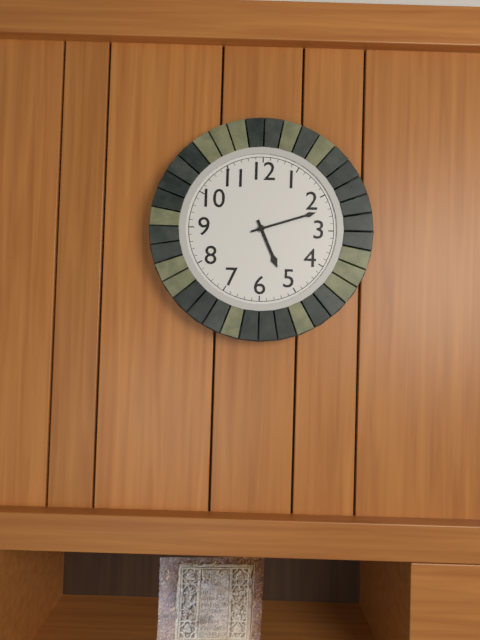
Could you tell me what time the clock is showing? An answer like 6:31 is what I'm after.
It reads 5:12
